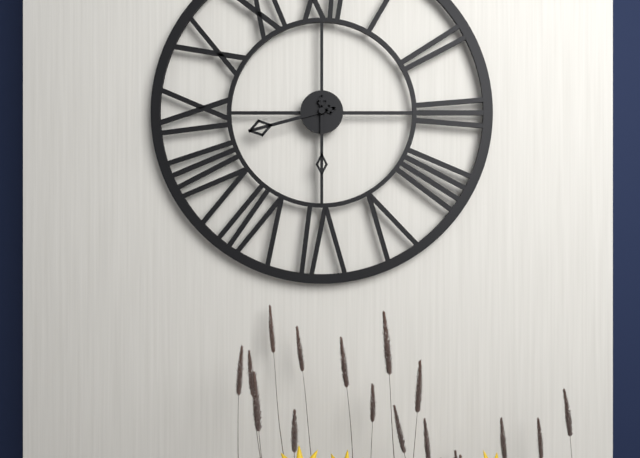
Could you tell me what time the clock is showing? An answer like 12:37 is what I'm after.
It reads 8:30
